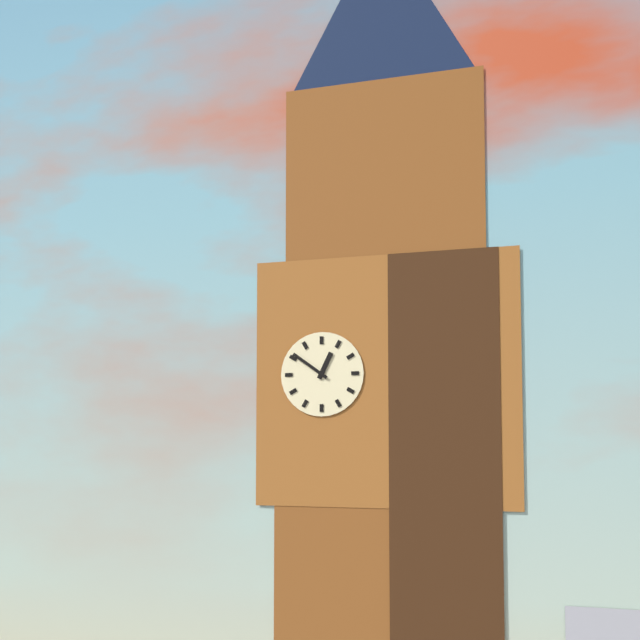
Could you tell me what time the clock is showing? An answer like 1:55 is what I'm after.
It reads 12:51
